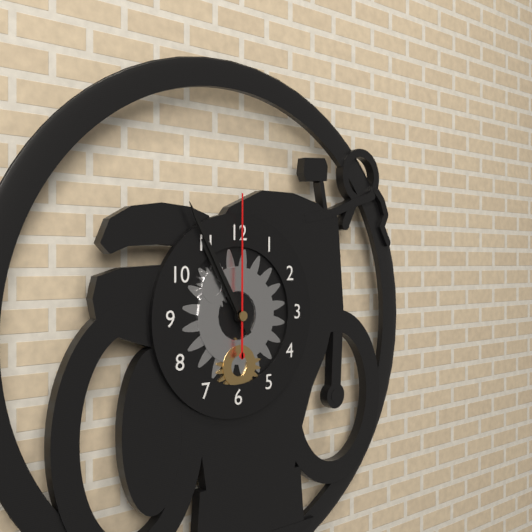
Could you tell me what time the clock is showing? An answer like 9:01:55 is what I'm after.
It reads 10:55:00
